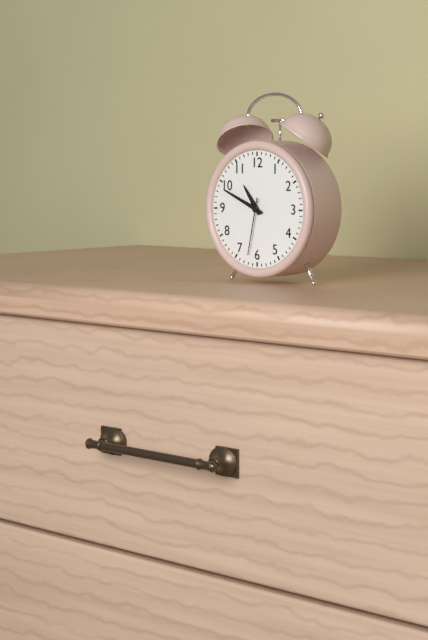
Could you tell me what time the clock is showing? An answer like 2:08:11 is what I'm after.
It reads 10:49:32
